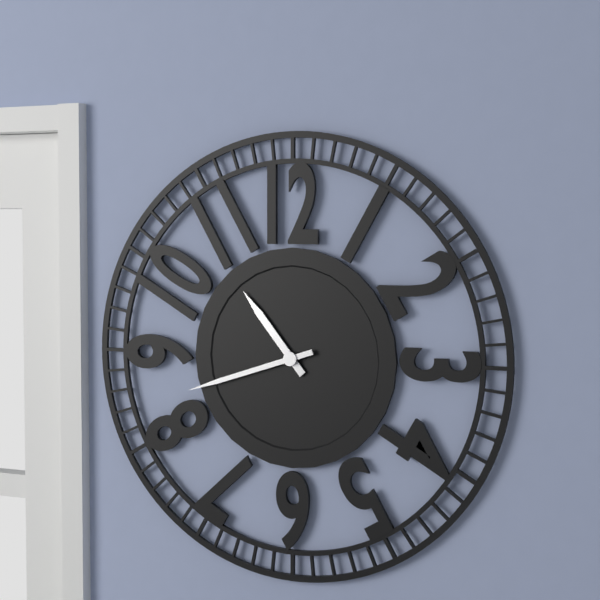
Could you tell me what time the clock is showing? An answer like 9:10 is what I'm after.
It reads 10:42
